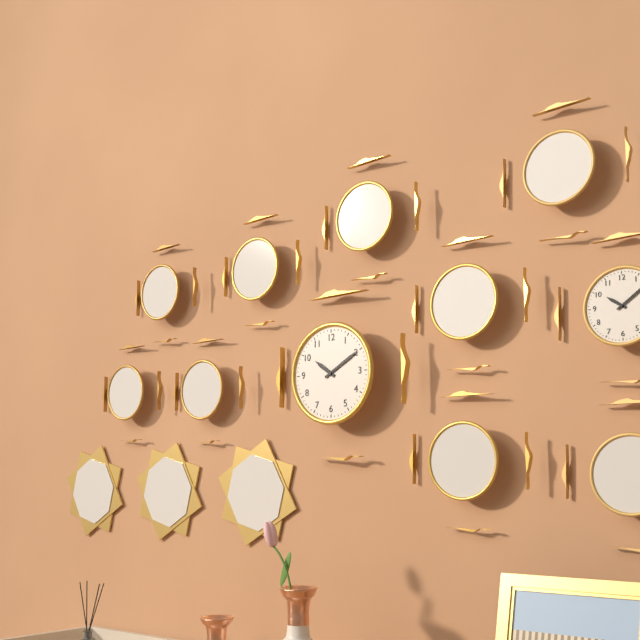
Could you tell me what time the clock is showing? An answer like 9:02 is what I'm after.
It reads 10:10
